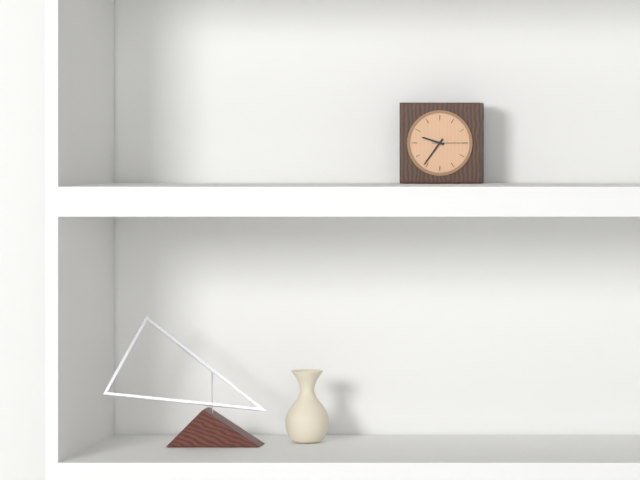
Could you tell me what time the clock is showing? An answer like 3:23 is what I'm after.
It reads 9:36
